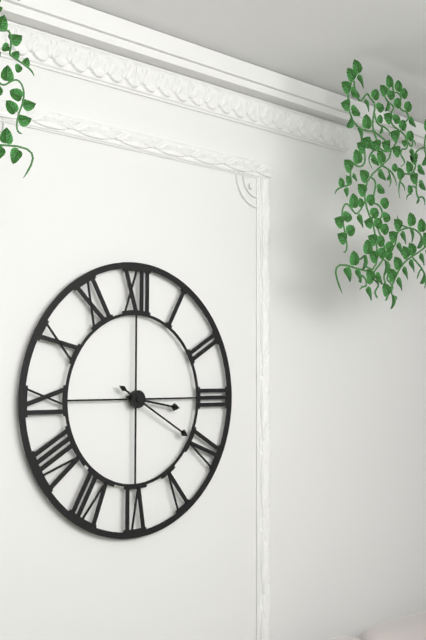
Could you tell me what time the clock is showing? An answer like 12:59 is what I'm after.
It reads 3:20
